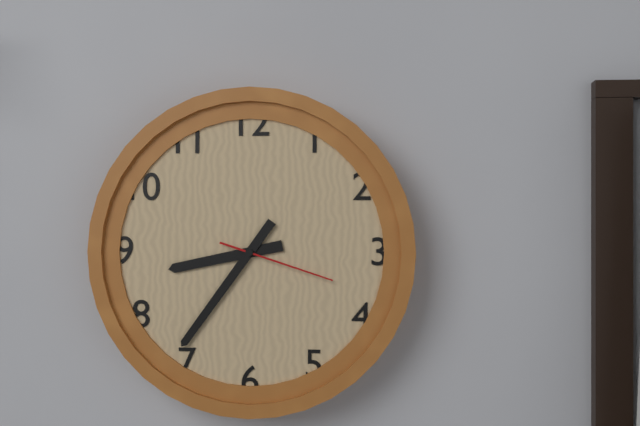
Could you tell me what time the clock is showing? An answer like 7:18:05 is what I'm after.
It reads 8:36:18
